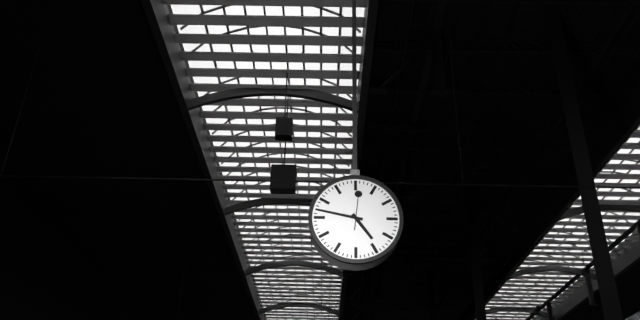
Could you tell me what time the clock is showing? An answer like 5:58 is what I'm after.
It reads 4:47
